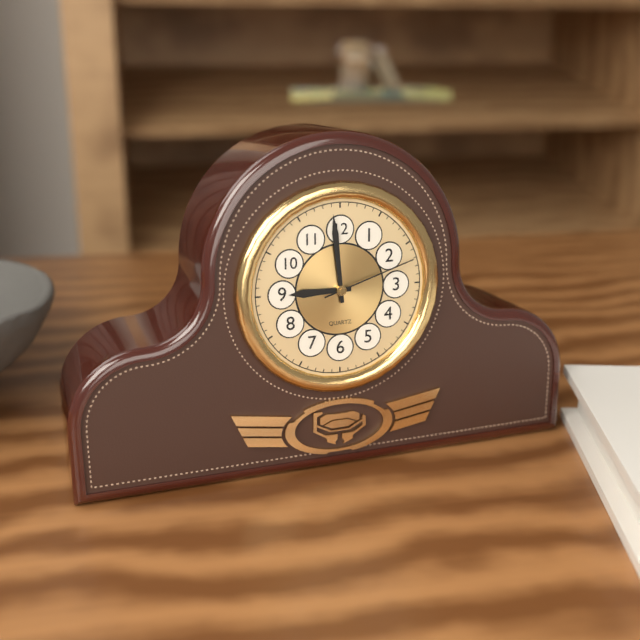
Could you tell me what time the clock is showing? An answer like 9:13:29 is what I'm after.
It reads 8:59:12
